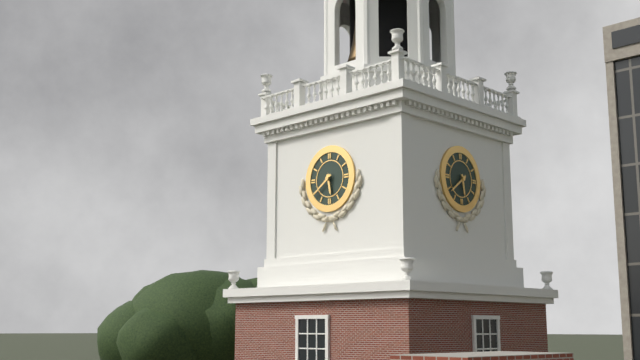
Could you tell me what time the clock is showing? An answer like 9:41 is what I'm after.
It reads 5:39
